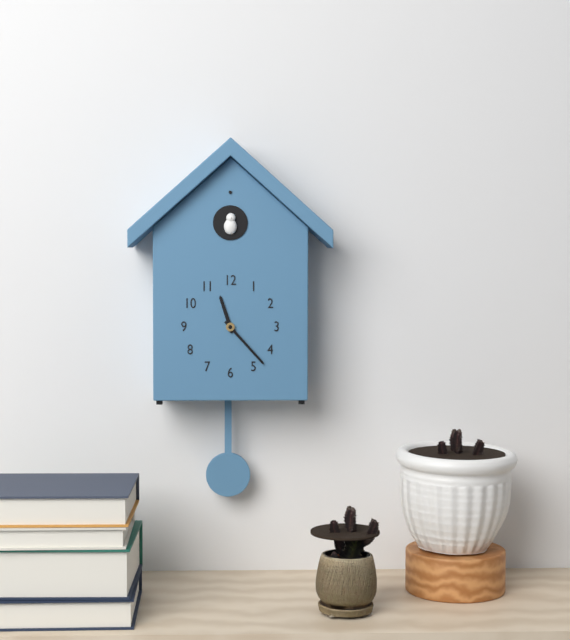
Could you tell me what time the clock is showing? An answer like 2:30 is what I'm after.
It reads 11:23
